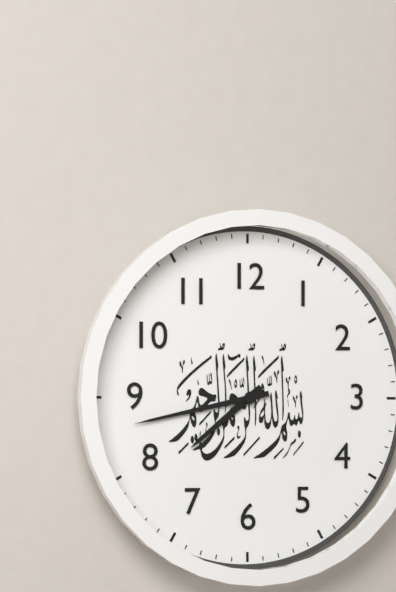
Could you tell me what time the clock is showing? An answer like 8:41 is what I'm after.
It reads 7:43
